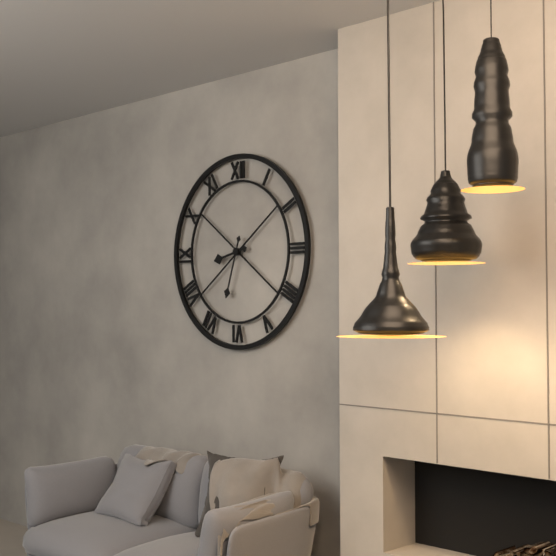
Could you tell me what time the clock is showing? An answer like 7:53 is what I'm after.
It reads 8:33
